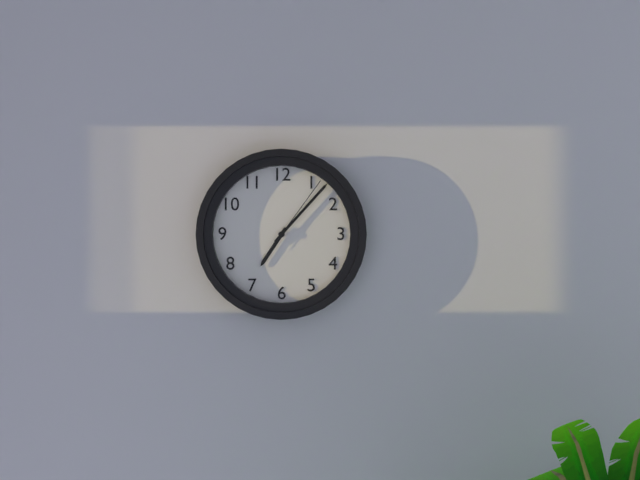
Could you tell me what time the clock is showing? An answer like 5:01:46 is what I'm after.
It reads 7:07:06
